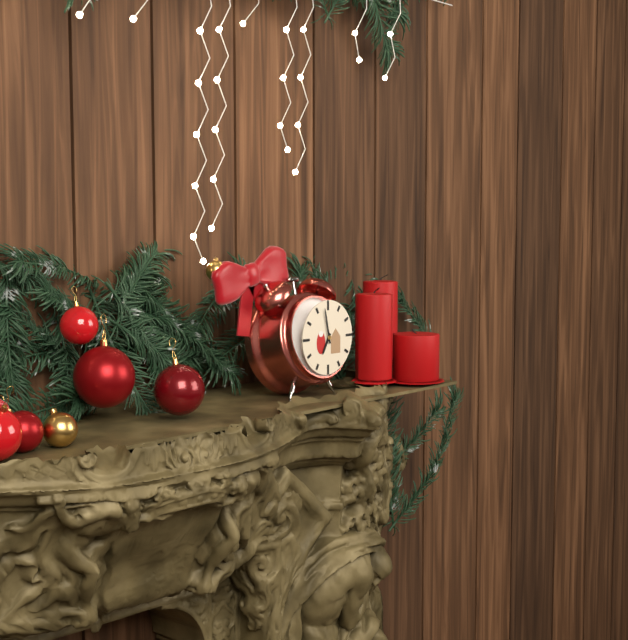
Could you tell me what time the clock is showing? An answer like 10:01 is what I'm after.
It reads 6:58
